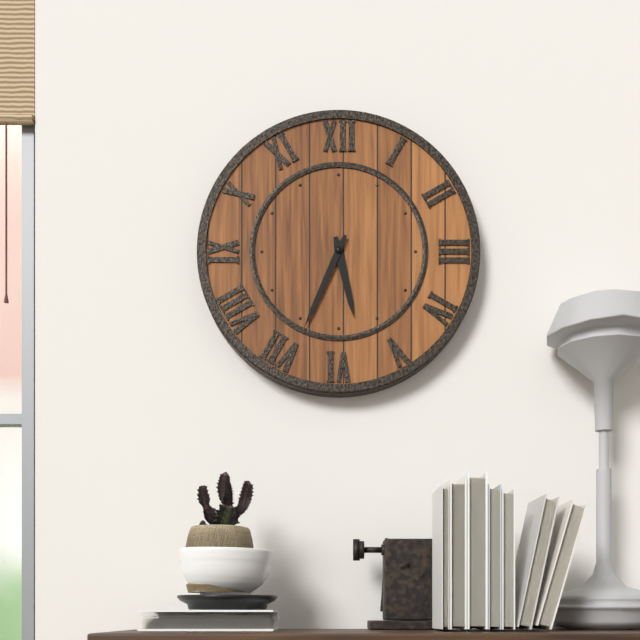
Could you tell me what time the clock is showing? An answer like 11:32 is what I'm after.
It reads 5:34
